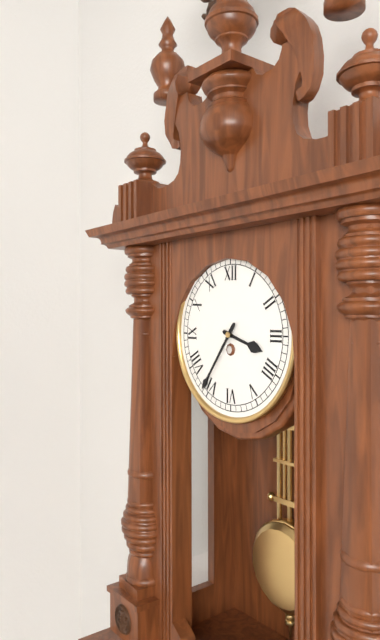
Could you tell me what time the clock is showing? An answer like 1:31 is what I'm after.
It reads 3:36
